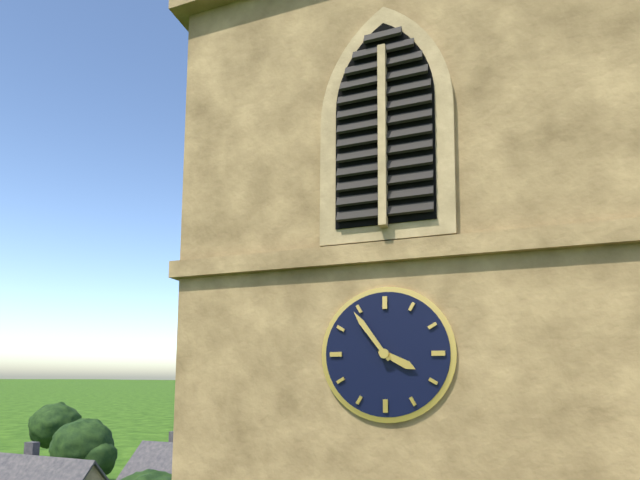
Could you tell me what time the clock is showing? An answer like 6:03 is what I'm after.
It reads 3:54
